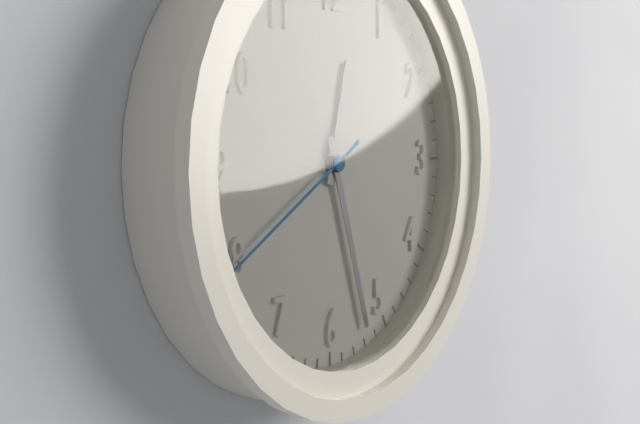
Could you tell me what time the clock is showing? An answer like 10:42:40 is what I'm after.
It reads 12:27:40
